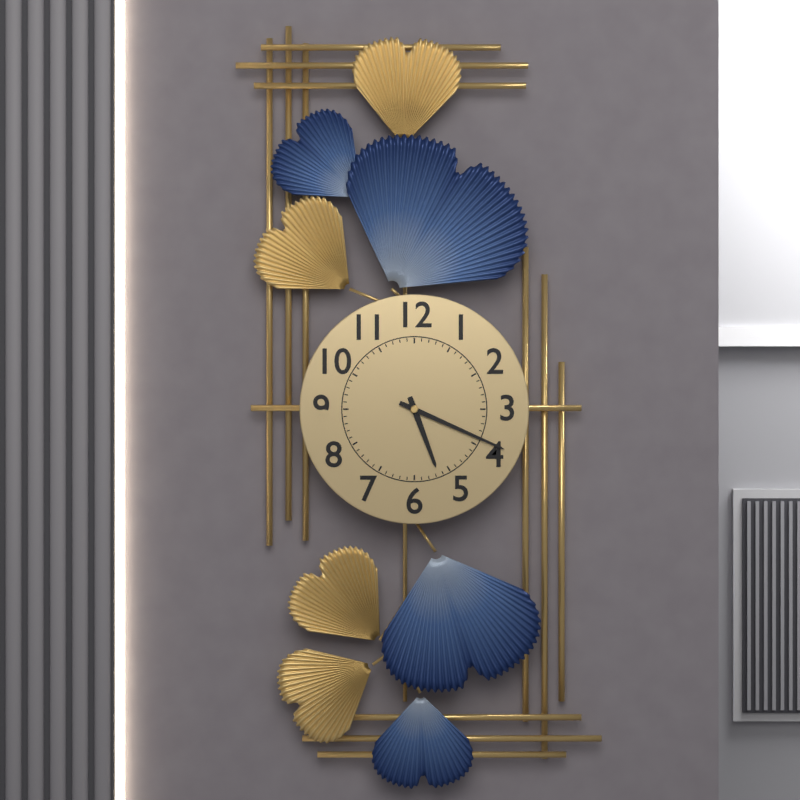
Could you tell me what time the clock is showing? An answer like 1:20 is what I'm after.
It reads 5:19
